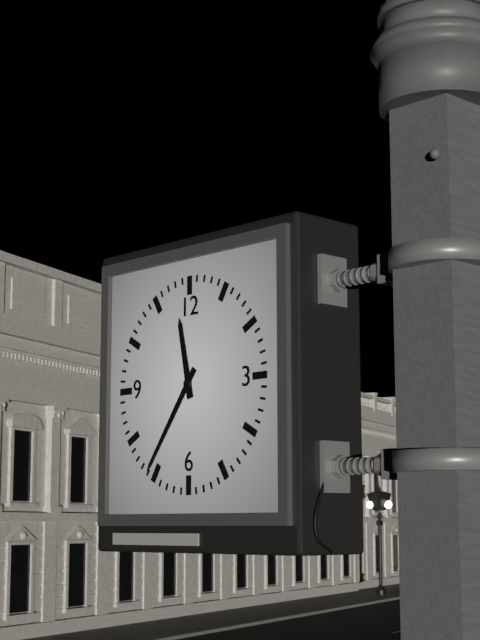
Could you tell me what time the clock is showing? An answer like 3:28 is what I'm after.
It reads 11:36
